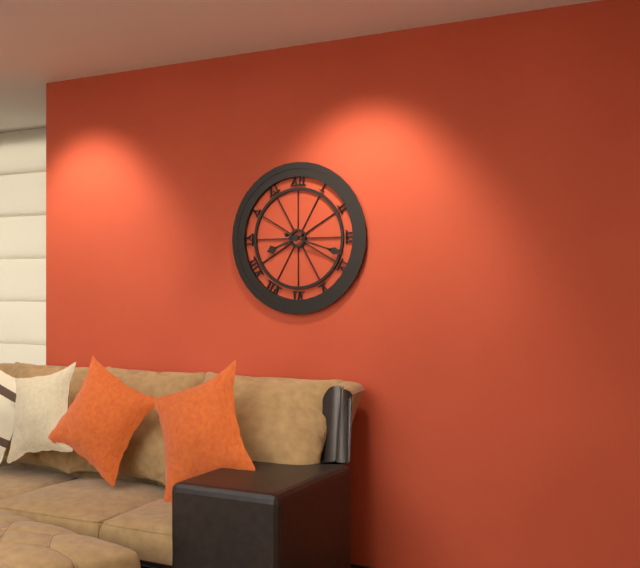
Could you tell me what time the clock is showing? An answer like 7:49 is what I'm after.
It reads 8:18
